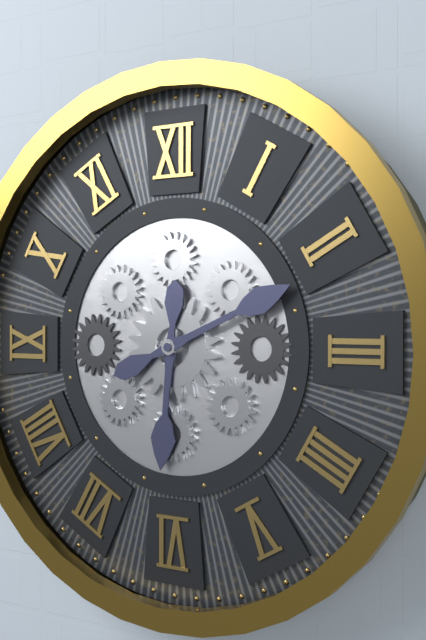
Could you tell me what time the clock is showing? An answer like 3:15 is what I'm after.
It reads 6:11
